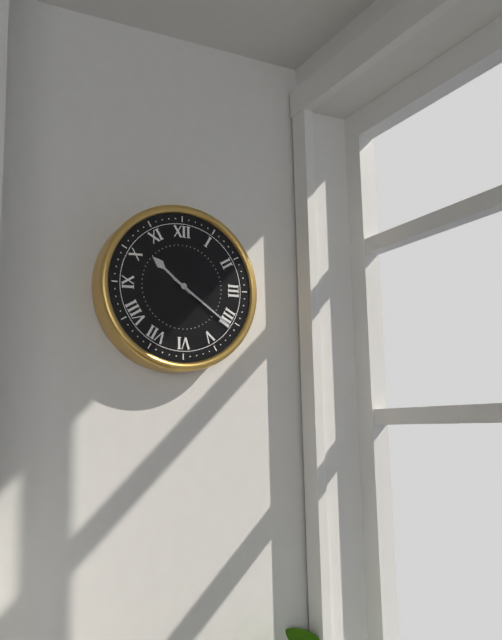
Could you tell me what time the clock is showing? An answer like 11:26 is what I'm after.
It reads 10:21
